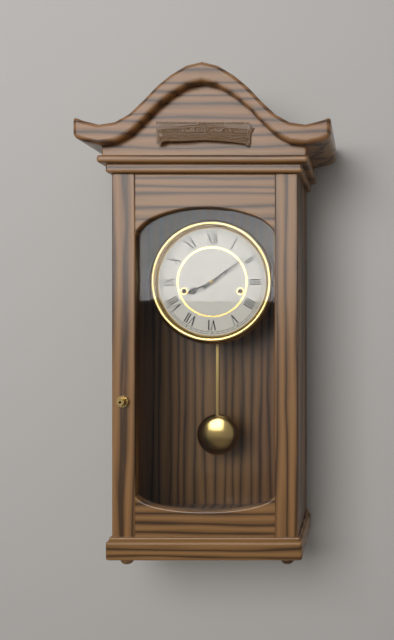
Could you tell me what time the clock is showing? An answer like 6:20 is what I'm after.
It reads 8:09
